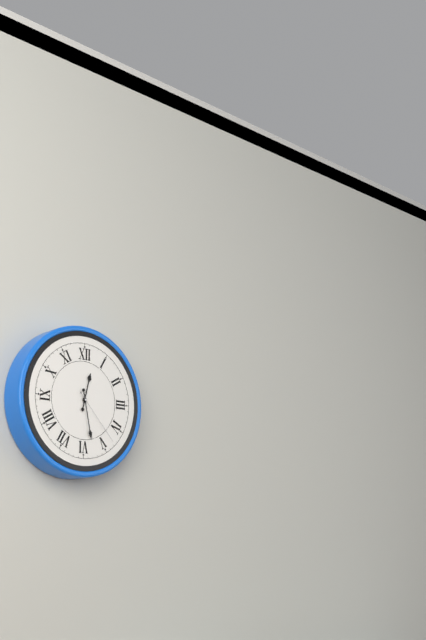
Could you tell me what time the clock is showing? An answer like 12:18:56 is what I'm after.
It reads 12:28:23
